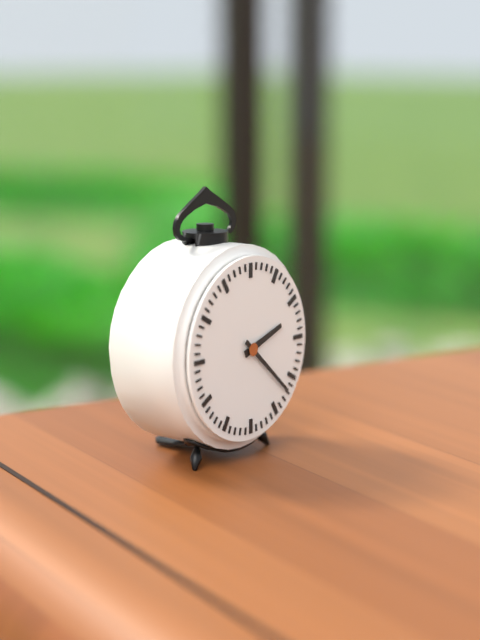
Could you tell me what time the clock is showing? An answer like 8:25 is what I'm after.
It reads 2:22
